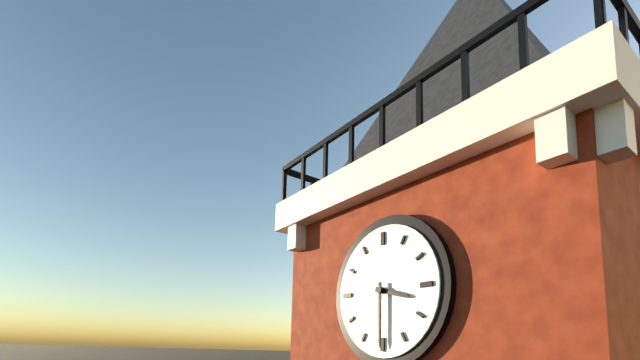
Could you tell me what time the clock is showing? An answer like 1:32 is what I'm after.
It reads 3:30
